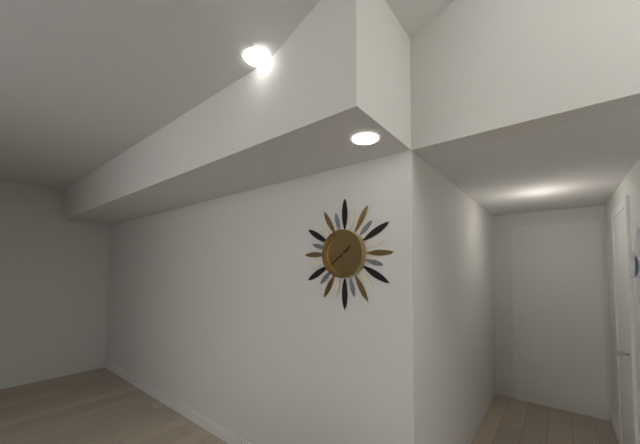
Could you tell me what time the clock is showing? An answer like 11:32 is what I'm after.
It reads 1:39
